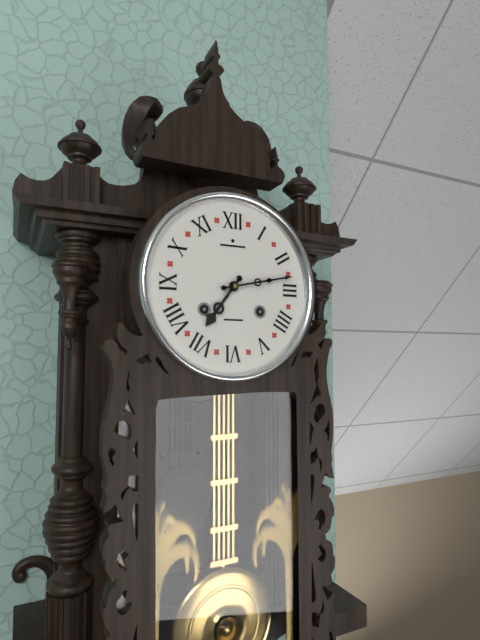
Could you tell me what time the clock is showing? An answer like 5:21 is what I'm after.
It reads 7:13
